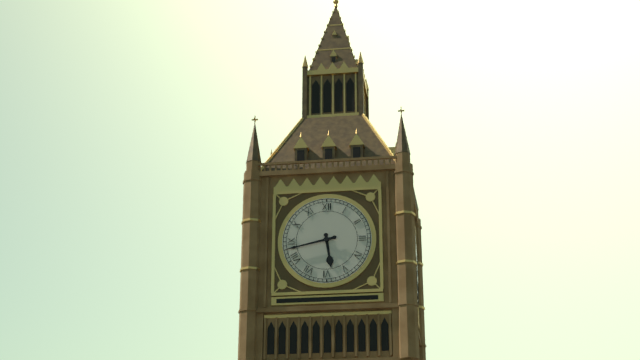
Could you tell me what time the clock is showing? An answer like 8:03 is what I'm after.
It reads 5:43
